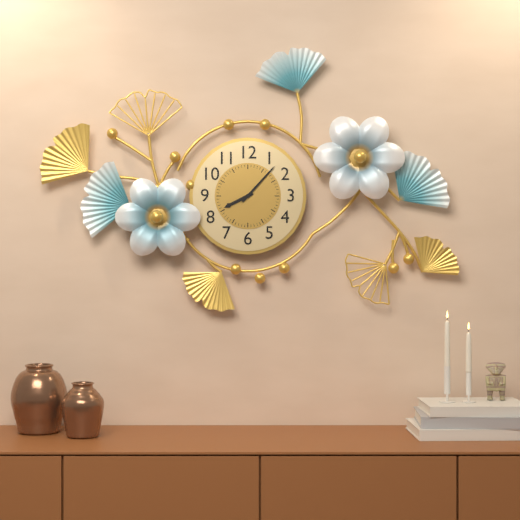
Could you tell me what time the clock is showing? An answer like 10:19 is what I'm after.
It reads 8:07
